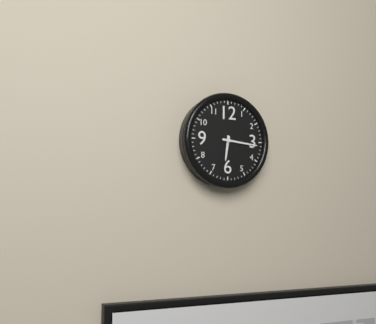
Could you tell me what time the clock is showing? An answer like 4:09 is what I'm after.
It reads 6:16
